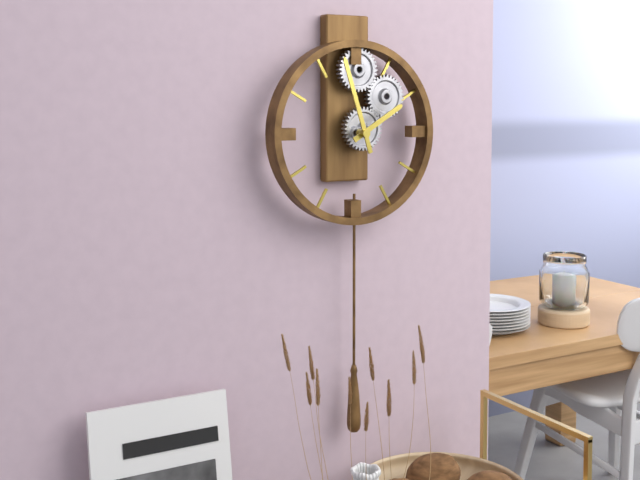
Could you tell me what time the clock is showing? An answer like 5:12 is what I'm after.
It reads 1:57
